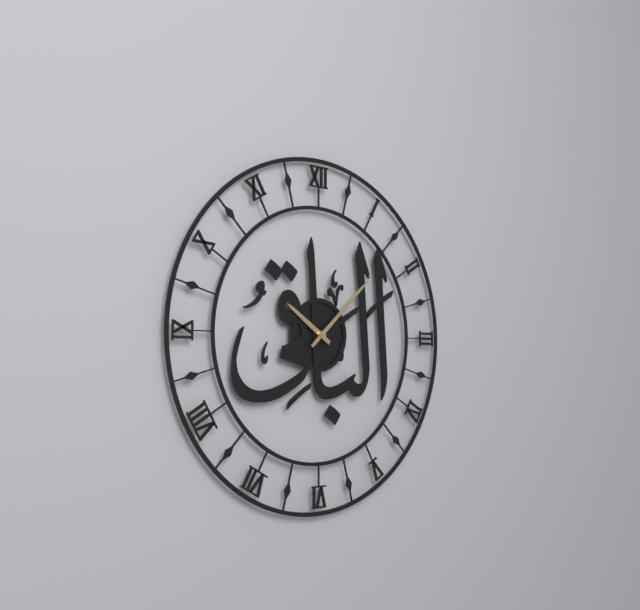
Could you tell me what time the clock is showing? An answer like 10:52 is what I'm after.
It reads 10:08
